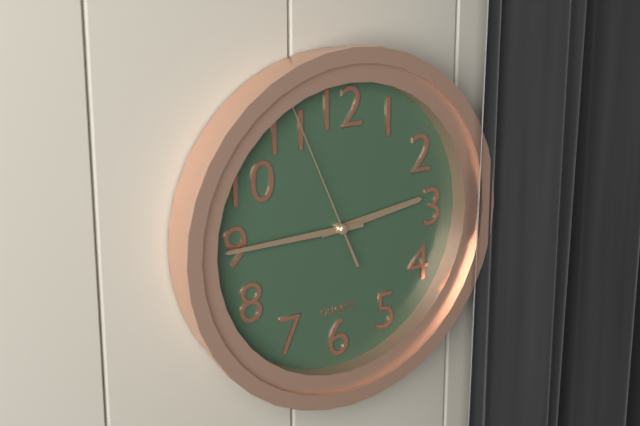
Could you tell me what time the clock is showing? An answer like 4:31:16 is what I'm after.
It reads 2:45:56
